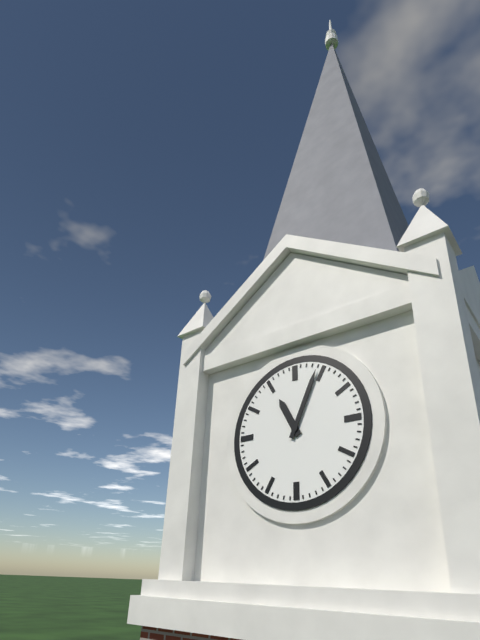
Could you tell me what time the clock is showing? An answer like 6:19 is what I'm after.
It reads 11:04
